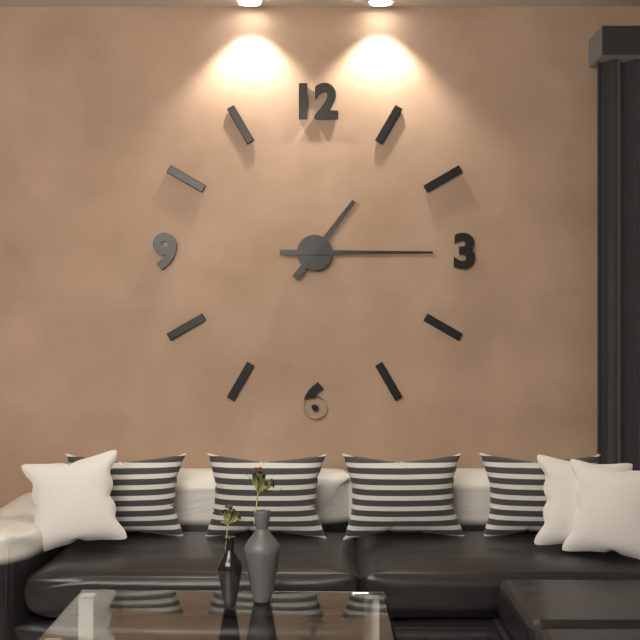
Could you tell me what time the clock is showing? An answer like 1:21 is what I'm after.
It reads 1:15
